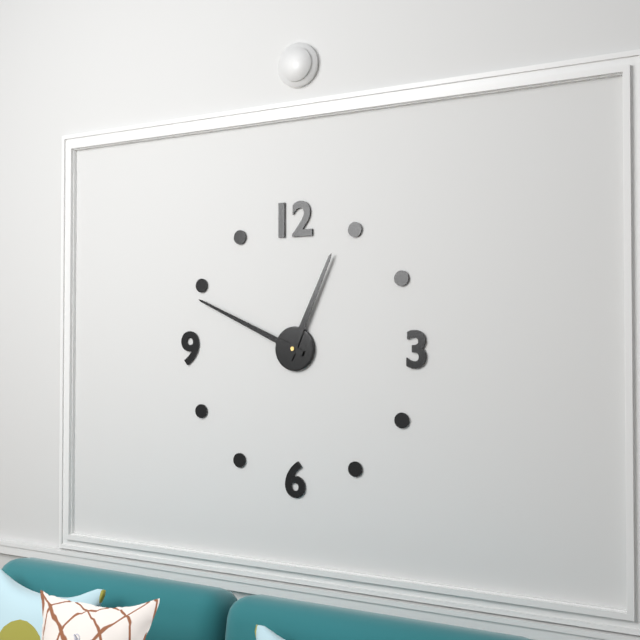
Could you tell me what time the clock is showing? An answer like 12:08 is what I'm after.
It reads 12:49
